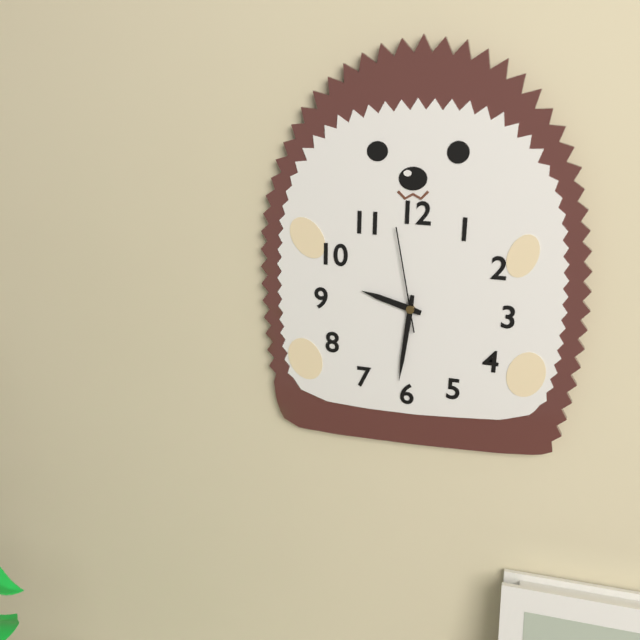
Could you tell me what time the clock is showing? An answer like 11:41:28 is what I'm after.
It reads 9:31:58
